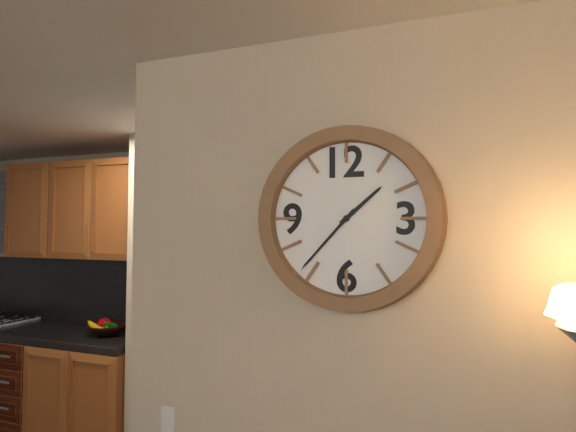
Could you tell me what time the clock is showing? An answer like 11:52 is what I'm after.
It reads 1:37
